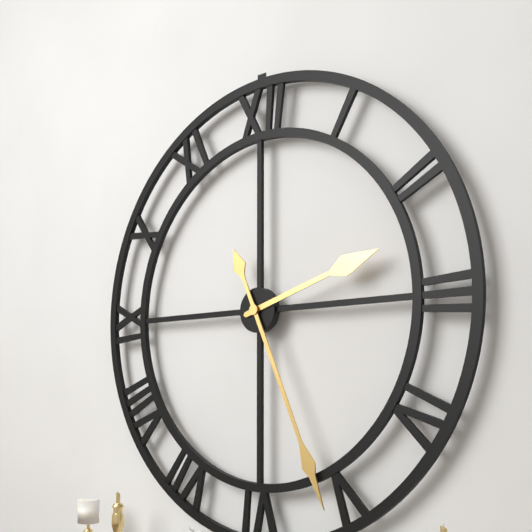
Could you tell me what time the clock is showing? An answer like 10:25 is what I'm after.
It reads 2:26
